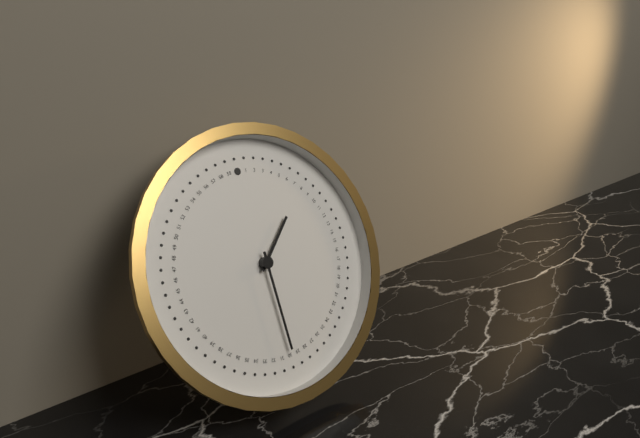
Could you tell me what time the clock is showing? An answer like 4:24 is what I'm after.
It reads 1:30
